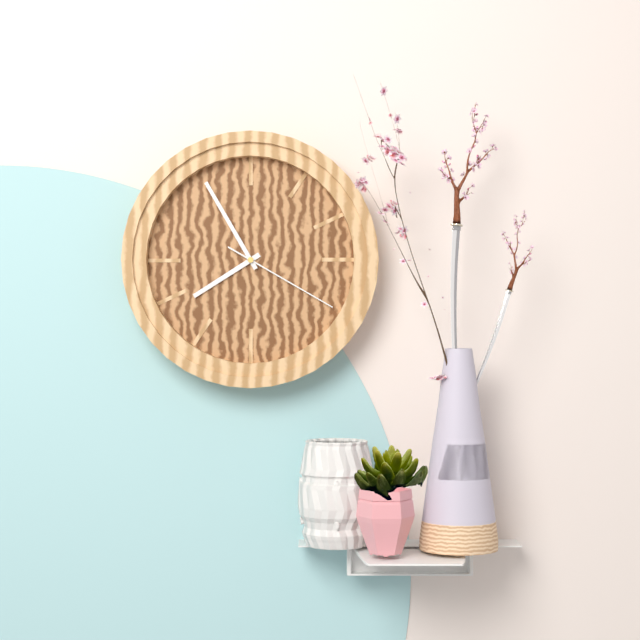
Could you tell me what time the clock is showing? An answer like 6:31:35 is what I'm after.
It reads 7:55:20
